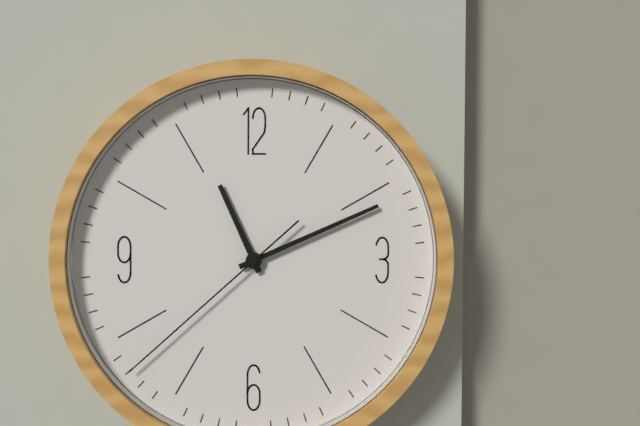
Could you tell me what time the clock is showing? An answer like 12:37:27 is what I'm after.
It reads 11:11:38
